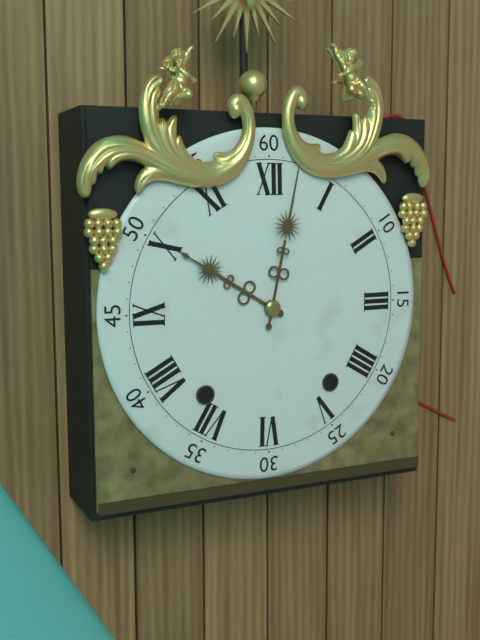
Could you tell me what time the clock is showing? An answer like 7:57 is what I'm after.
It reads 10:02
